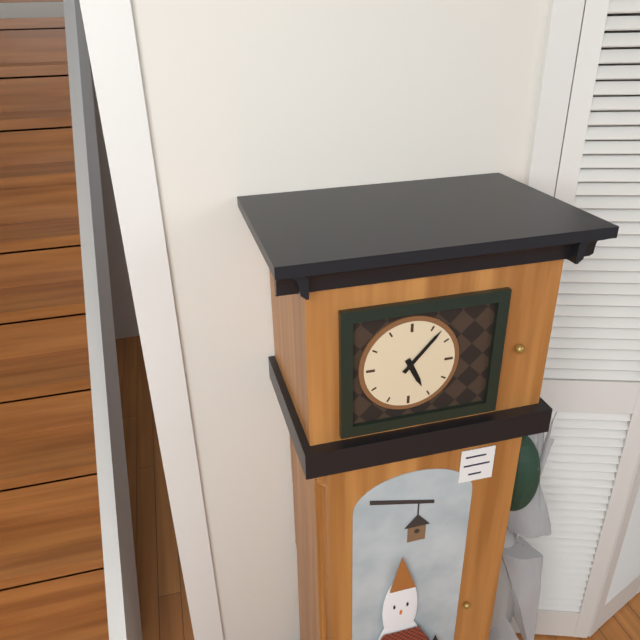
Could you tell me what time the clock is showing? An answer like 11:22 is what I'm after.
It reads 5:07
